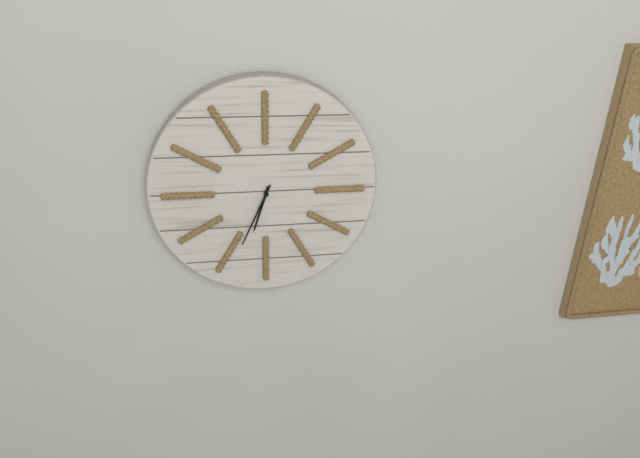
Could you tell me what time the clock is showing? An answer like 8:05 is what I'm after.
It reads 6:34
